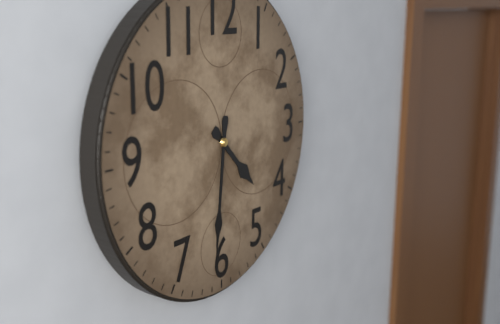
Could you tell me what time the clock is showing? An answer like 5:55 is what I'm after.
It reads 4:31
